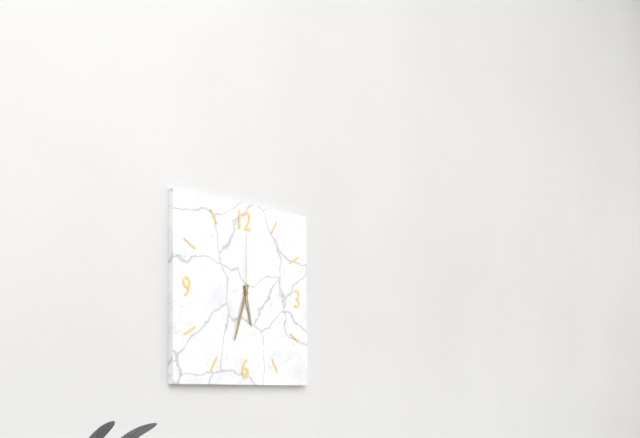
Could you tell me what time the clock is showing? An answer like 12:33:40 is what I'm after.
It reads 5:33:00
